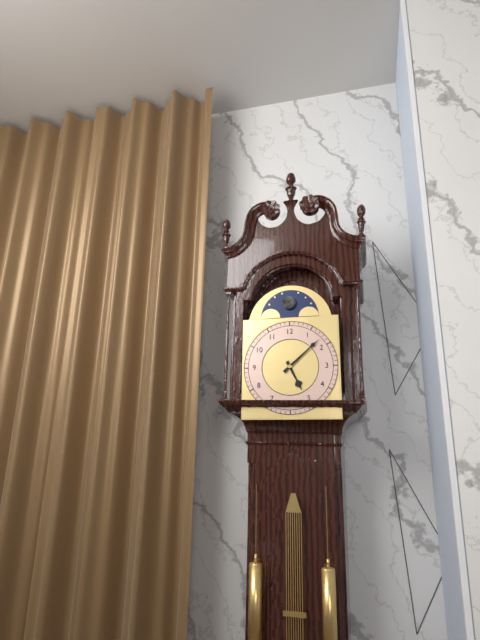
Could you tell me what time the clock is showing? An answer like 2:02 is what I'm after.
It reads 5:08
